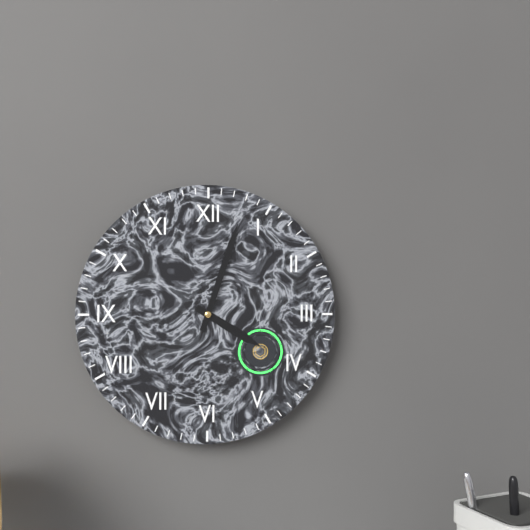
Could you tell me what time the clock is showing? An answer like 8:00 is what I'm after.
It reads 4:03
